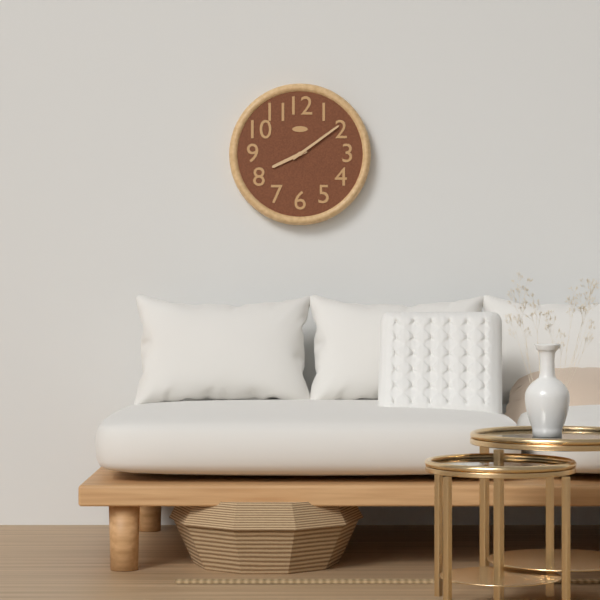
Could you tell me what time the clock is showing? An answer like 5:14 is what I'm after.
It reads 8:09
